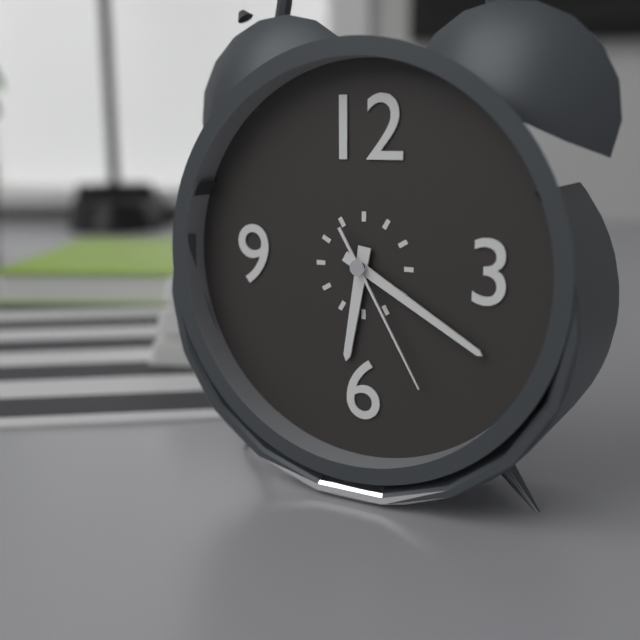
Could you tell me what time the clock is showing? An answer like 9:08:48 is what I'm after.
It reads 6:20:25
